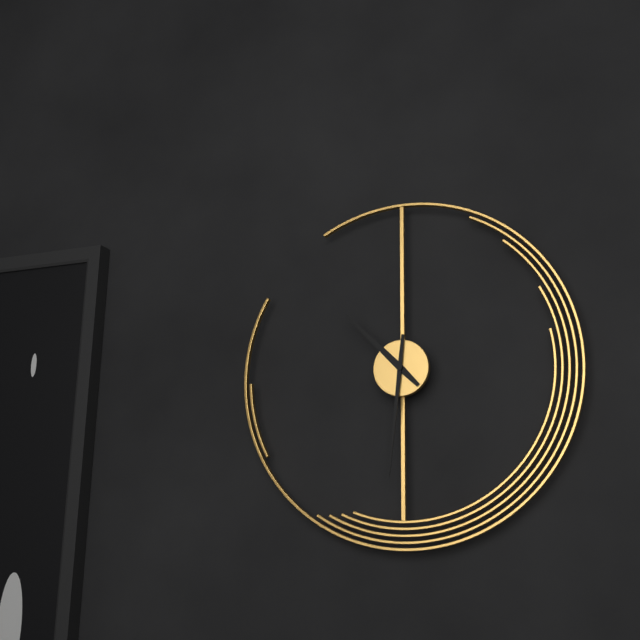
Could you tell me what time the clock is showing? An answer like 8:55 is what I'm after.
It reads 10:31
